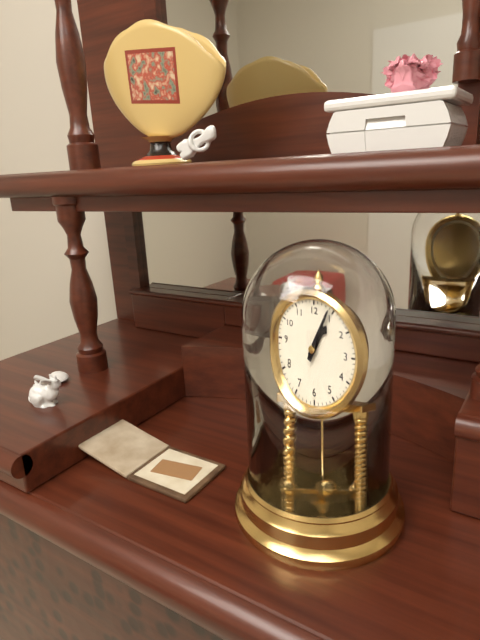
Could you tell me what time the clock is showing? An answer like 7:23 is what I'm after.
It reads 1:04
